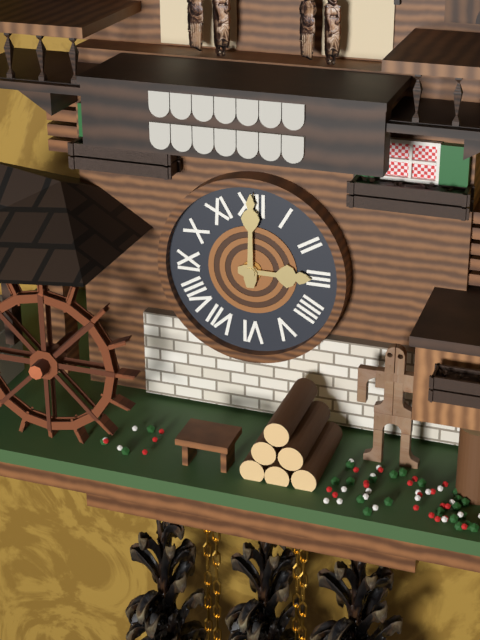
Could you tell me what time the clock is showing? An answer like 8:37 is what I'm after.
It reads 3:00
